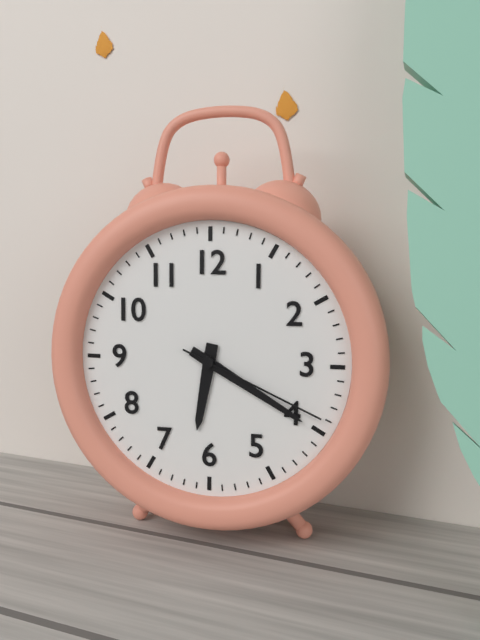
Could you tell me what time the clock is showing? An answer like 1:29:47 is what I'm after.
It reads 6:20:19
